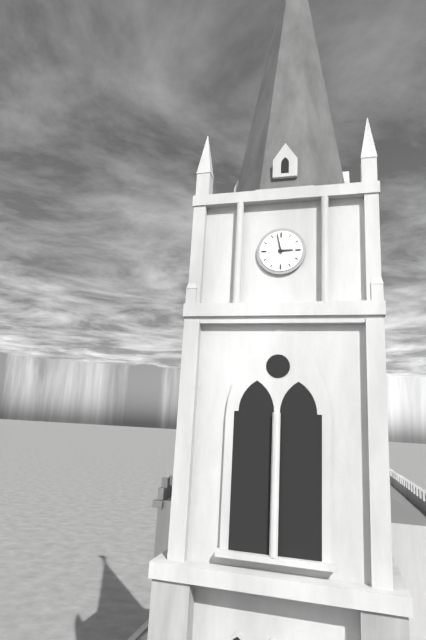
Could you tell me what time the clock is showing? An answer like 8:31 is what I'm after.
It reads 2:58
